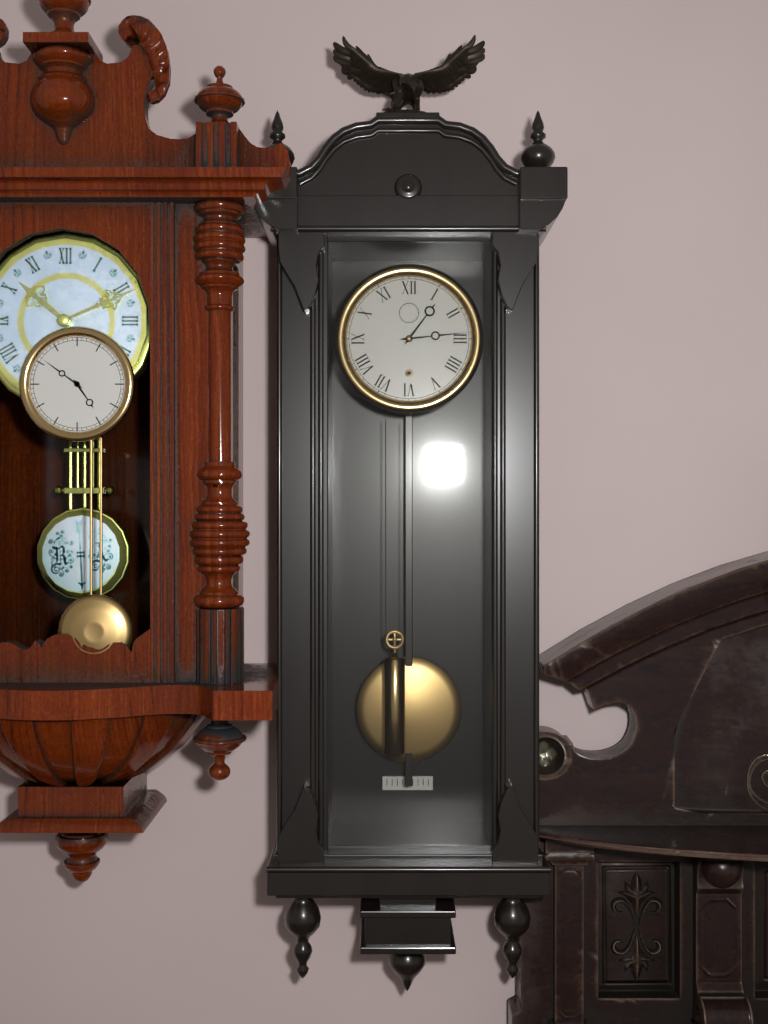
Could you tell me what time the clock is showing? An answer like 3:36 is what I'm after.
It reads 1:14
